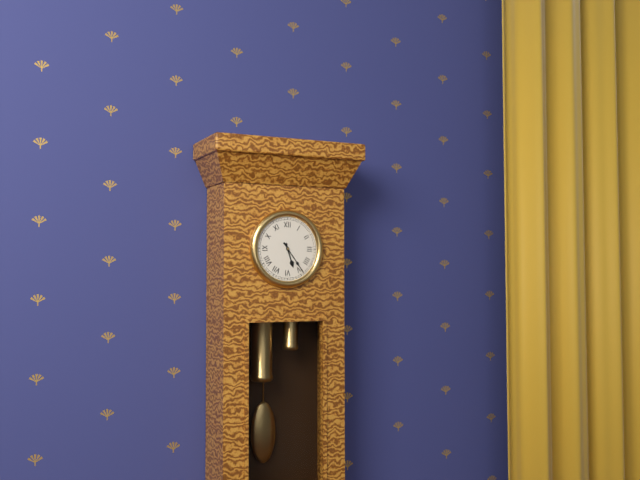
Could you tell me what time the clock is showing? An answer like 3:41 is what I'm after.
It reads 5:24
